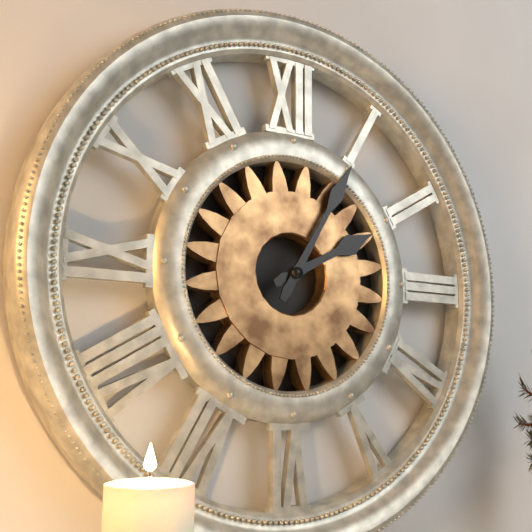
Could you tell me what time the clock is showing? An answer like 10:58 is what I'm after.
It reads 2:05
